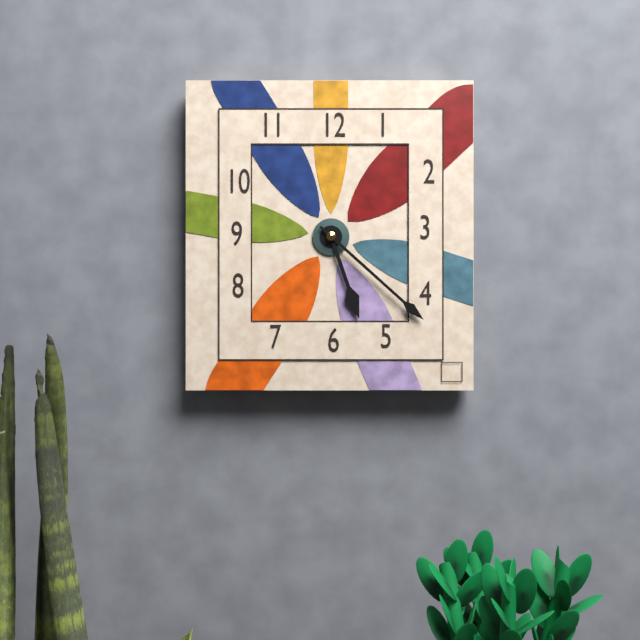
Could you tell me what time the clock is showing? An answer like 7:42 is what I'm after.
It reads 5:22
